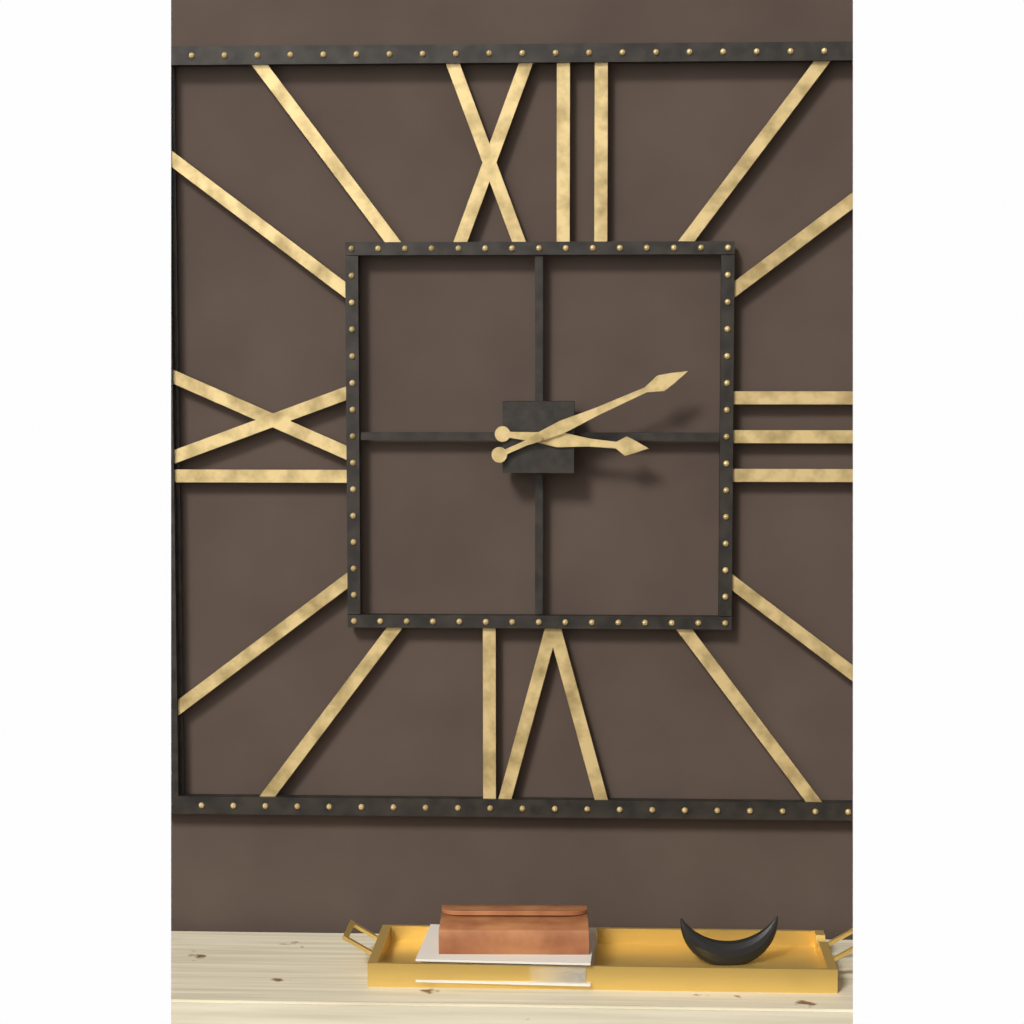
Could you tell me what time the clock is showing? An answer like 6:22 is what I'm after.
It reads 3:11
